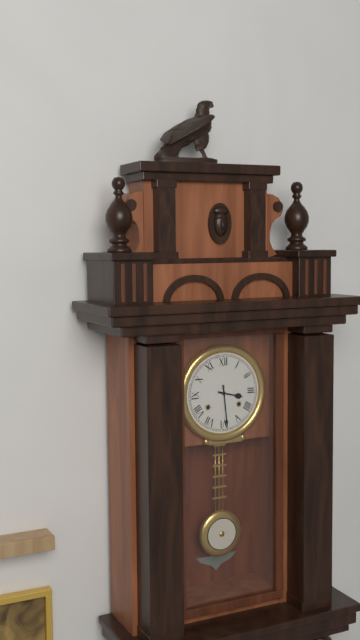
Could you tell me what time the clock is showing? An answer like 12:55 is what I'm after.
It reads 3:29
